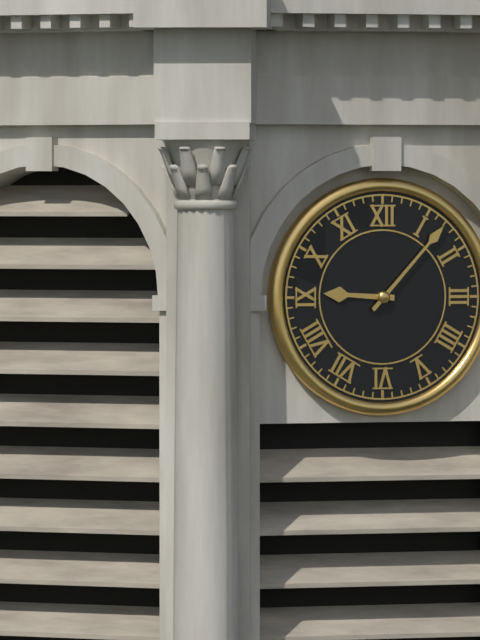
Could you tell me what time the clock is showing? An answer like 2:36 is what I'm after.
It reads 9:07
